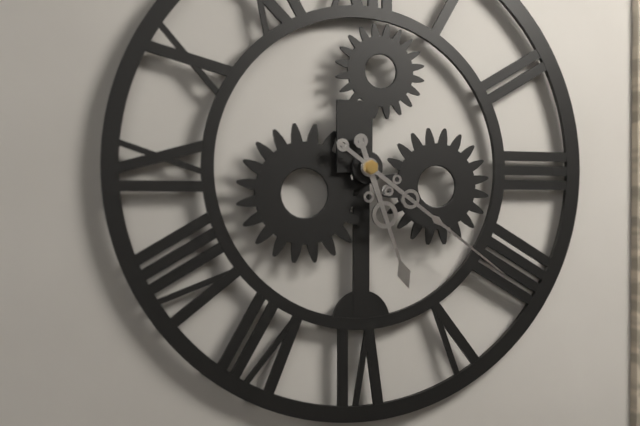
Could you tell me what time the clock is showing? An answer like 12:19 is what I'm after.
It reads 5:21
